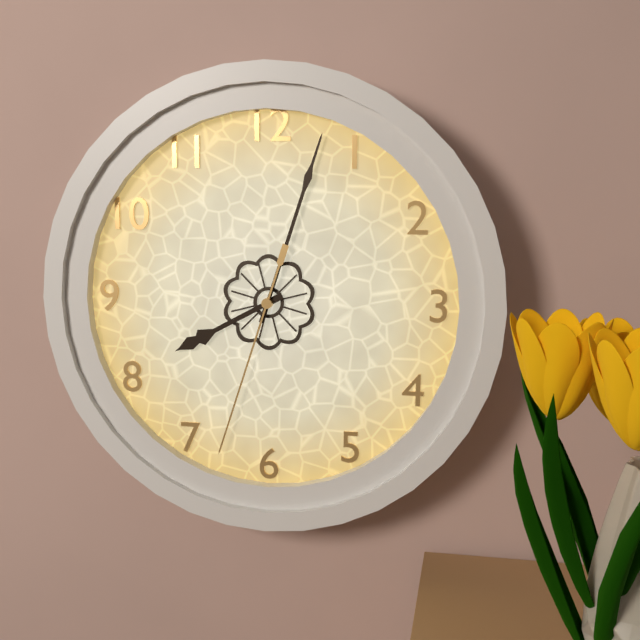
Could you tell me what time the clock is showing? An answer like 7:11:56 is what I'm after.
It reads 8:03:33
